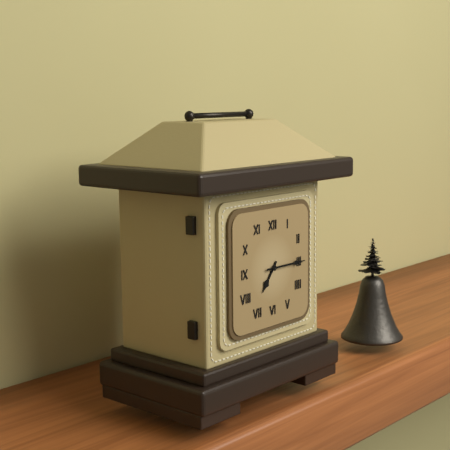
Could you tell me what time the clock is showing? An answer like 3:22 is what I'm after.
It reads 7:15
